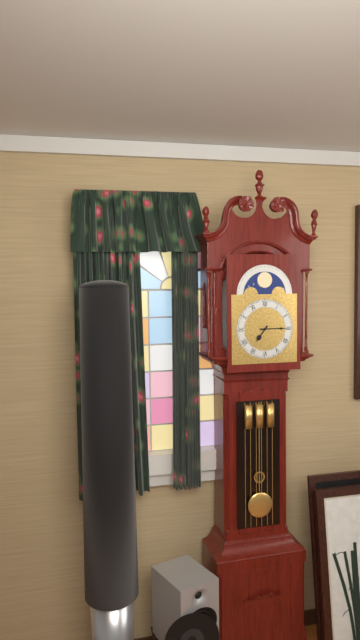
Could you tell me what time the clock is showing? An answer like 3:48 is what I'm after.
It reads 7:15
